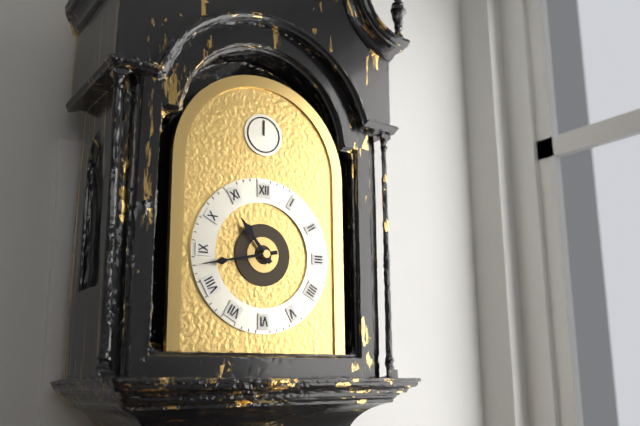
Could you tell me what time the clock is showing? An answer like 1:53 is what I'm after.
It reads 10:43
